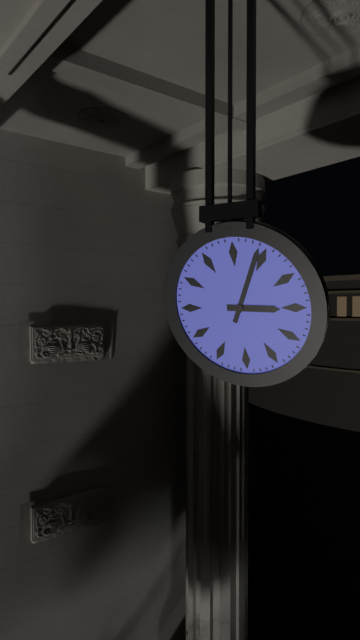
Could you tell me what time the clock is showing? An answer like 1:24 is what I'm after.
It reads 3:04
